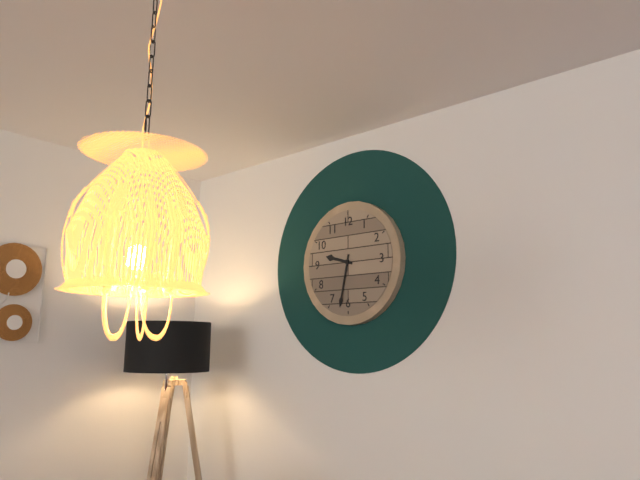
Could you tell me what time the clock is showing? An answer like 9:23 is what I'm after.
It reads 9:32
